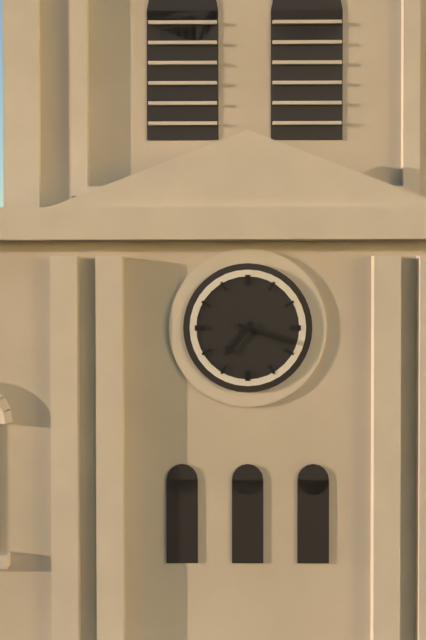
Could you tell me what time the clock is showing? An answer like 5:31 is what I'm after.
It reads 7:18
